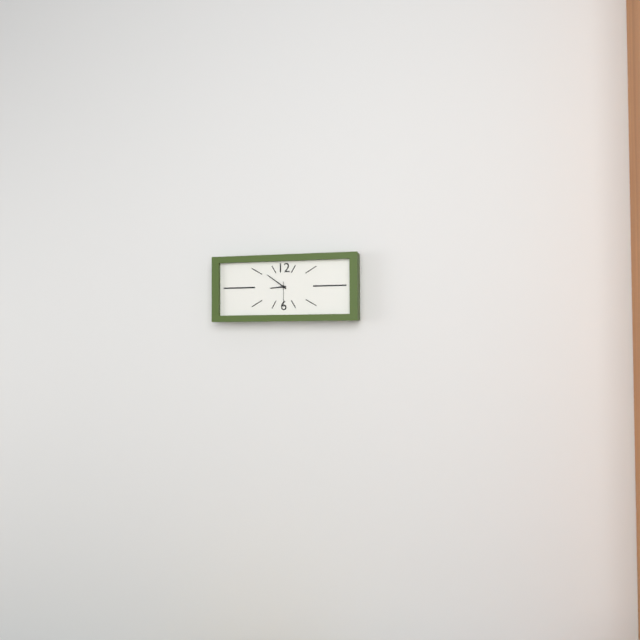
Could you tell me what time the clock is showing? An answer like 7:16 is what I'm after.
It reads 8:51
